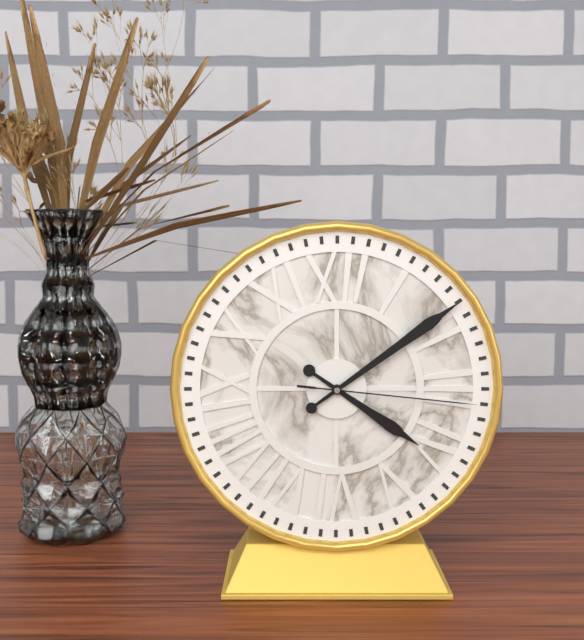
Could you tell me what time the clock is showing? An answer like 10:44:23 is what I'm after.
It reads 4:09:16
